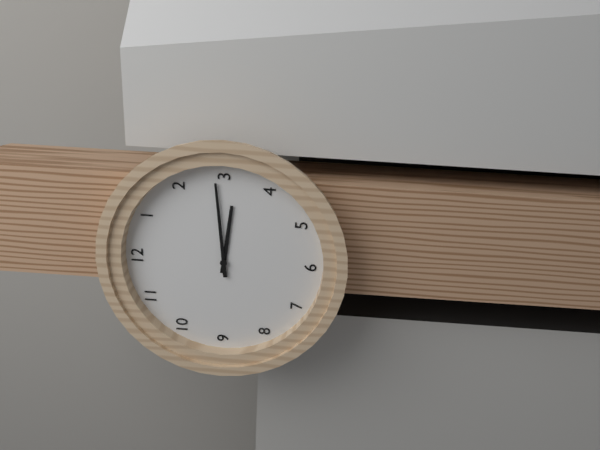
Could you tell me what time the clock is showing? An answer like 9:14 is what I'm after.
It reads 3:14
